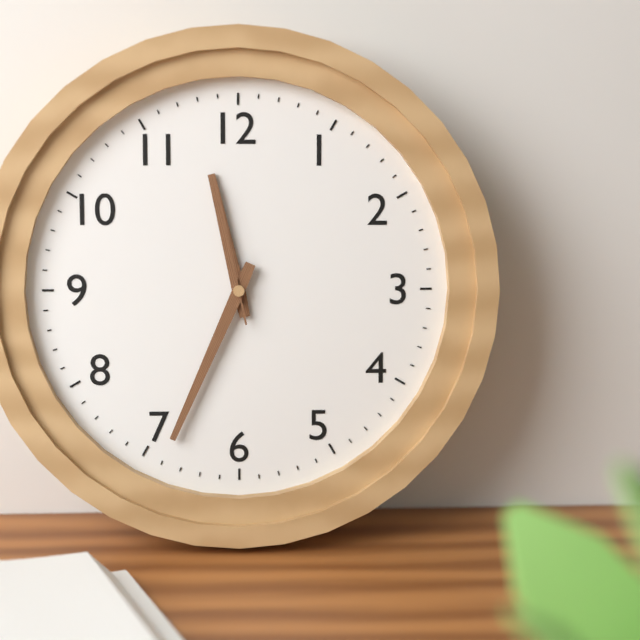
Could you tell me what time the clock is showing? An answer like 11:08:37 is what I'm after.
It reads 11:34:58
